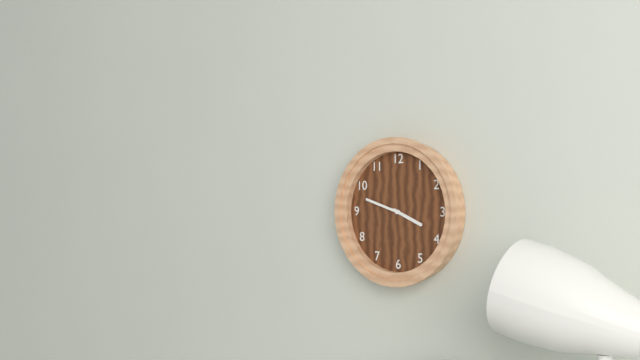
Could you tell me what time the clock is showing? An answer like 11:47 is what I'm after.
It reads 3:48
